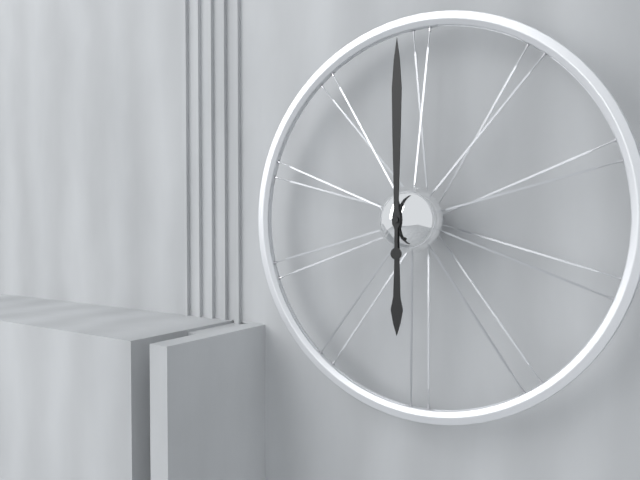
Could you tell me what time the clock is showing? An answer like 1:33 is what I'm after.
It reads 6:00
